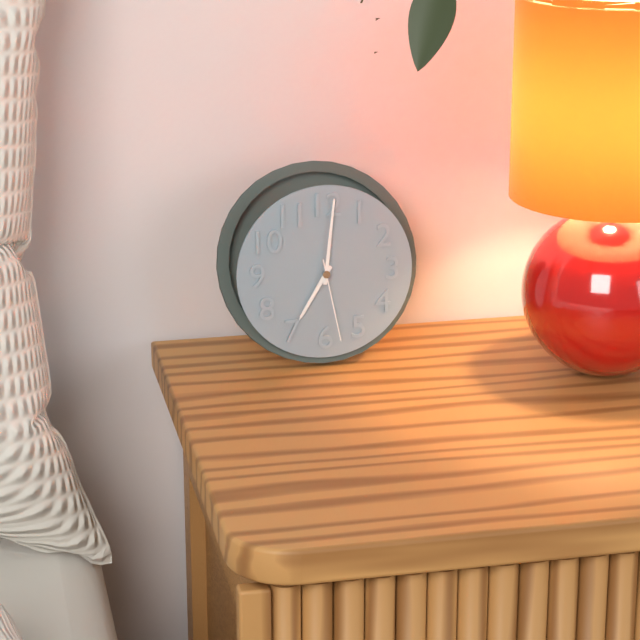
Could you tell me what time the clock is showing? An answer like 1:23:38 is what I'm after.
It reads 7:01:28
